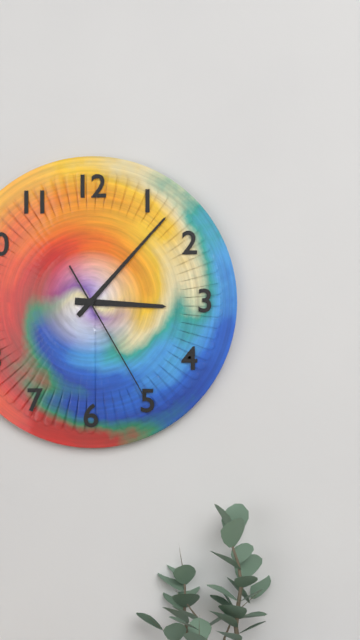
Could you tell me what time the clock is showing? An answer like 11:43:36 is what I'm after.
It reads 3:07:25
